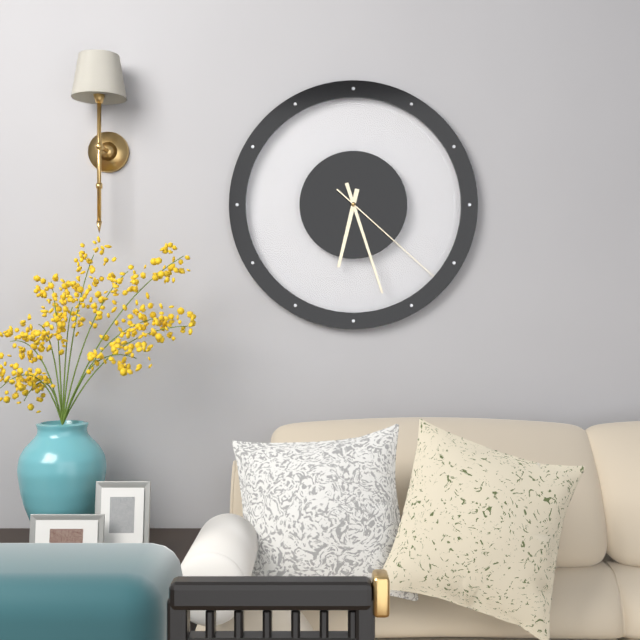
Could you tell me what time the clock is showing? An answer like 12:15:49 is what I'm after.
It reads 6:27:22
